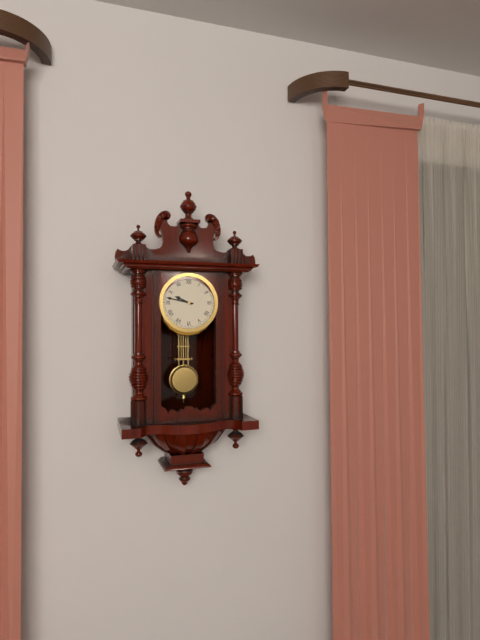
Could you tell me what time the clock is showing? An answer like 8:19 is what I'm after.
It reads 9:47
